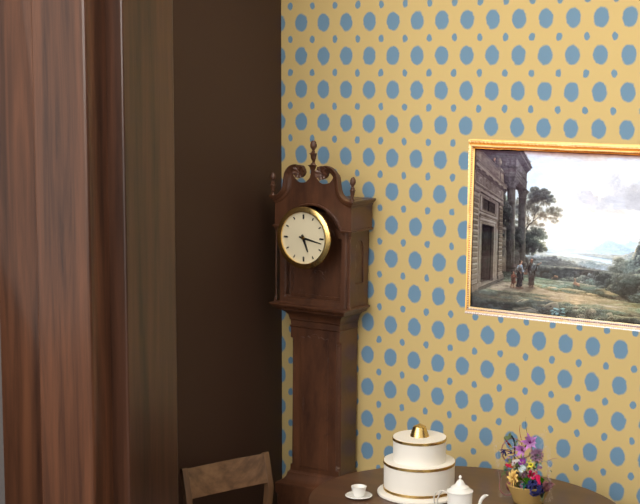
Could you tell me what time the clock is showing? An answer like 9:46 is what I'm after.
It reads 5:17
